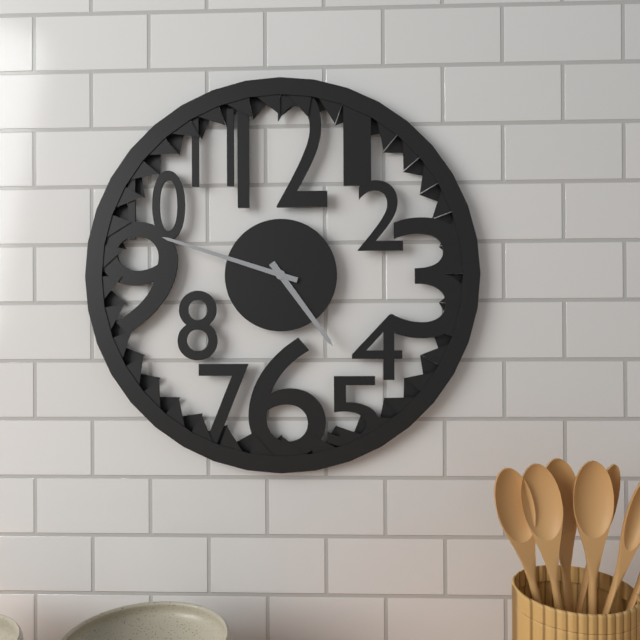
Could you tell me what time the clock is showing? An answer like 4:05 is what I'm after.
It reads 4:48
